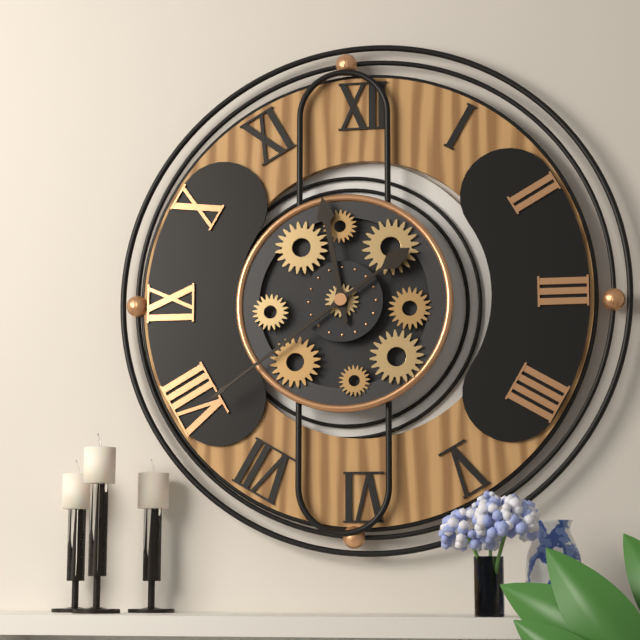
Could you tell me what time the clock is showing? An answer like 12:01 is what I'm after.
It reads 11:39
